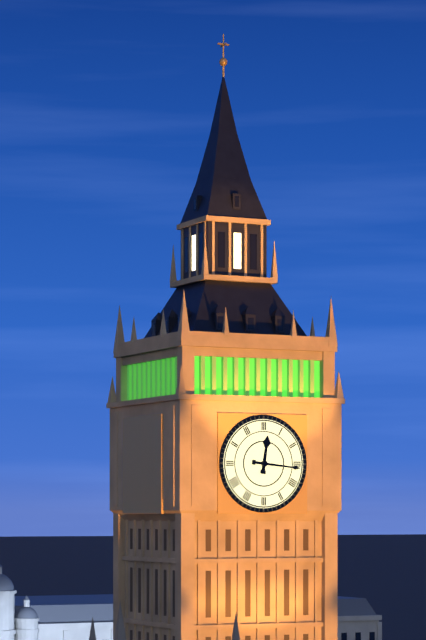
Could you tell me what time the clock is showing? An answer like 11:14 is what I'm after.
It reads 12:16
